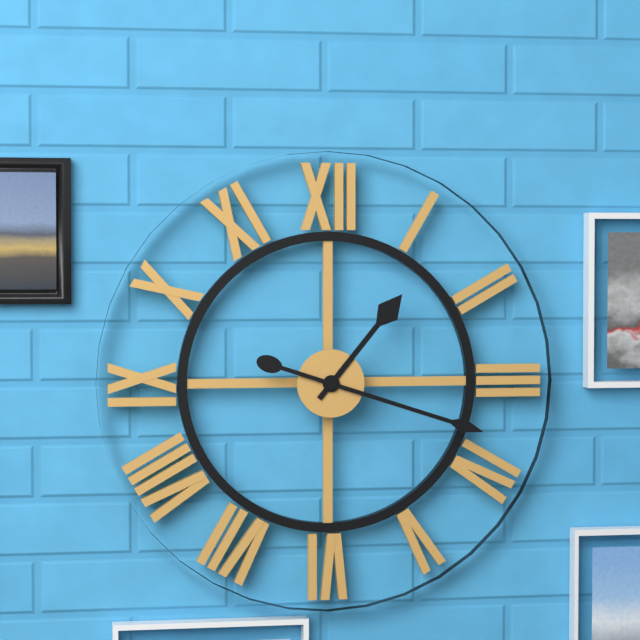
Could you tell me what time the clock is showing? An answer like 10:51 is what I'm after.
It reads 1:18
